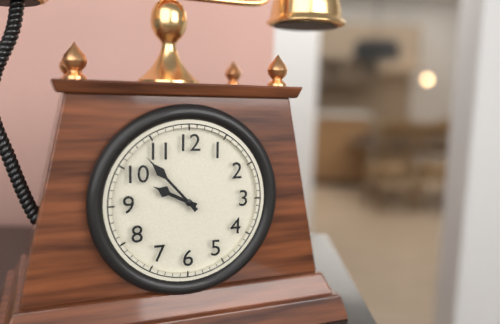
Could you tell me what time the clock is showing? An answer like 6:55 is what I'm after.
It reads 9:53
